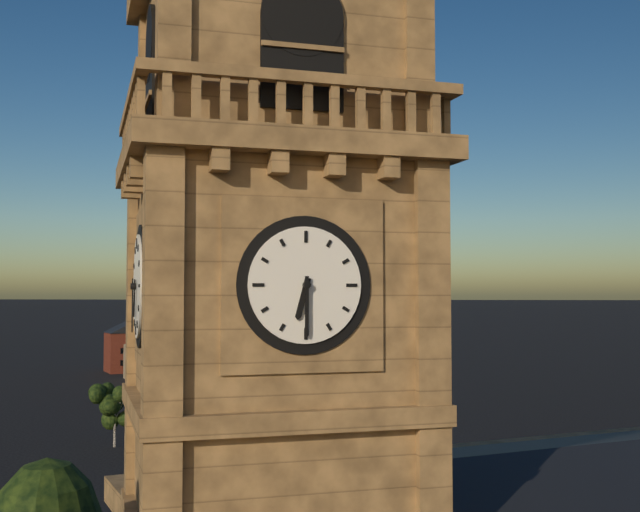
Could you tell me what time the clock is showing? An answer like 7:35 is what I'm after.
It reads 6:30
